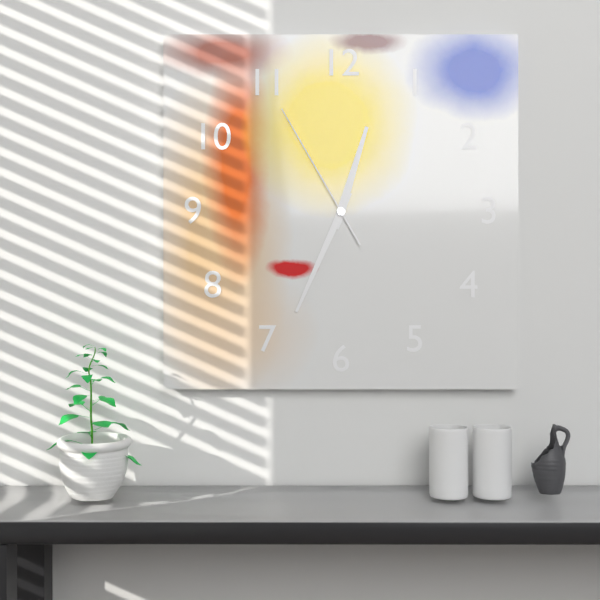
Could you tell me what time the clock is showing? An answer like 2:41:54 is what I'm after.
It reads 12:34:55
